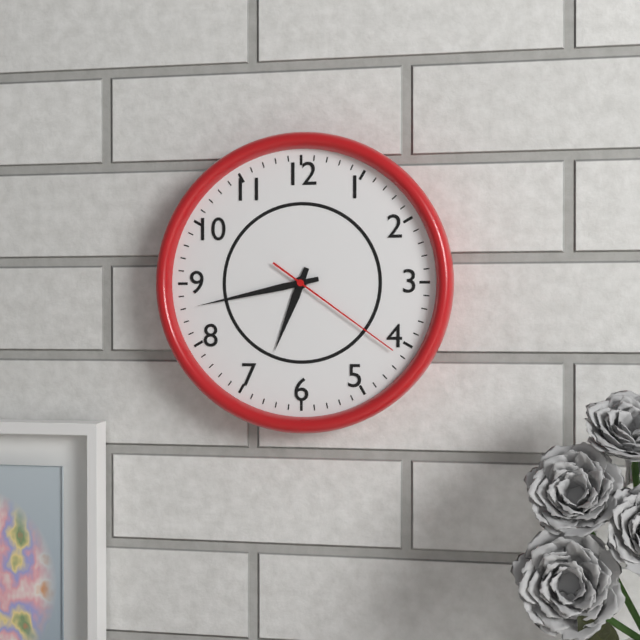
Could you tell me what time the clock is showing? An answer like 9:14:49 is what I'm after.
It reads 6:43:21
